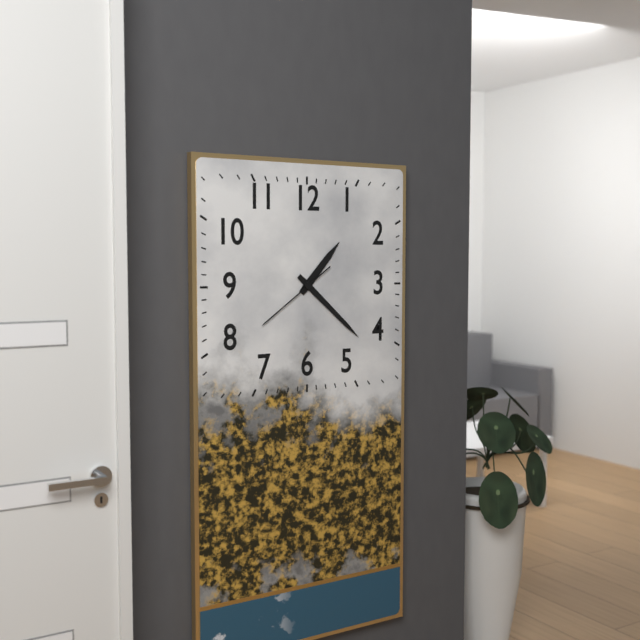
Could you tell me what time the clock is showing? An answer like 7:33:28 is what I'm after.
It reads 1:22:39
